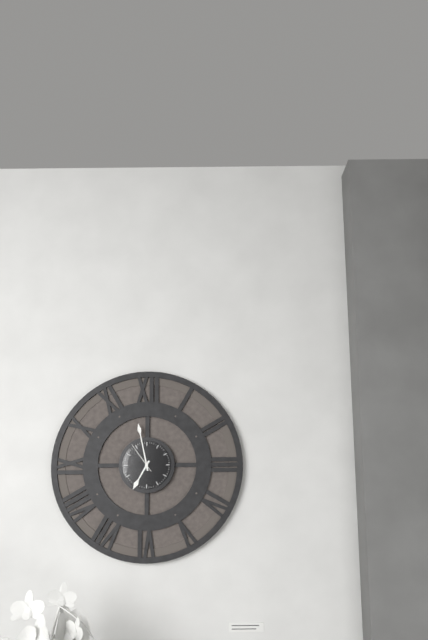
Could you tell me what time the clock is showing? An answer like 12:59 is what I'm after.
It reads 6:58
